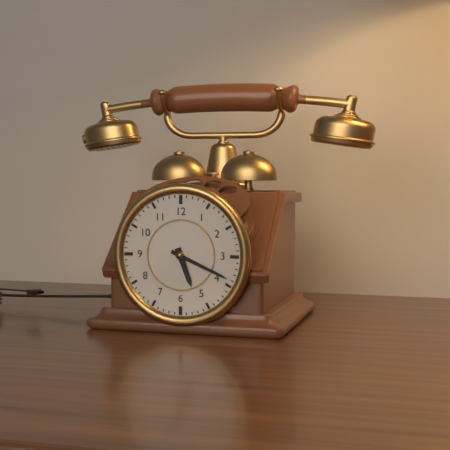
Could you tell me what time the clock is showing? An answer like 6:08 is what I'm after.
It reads 5:19
